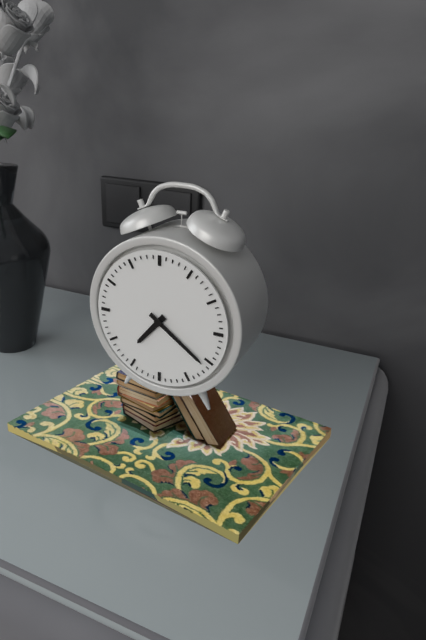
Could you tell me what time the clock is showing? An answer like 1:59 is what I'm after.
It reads 7:21
